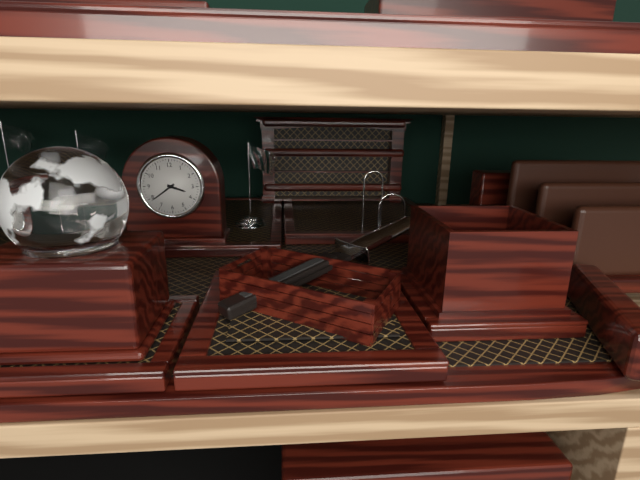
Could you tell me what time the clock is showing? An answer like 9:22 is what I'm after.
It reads 3:39
